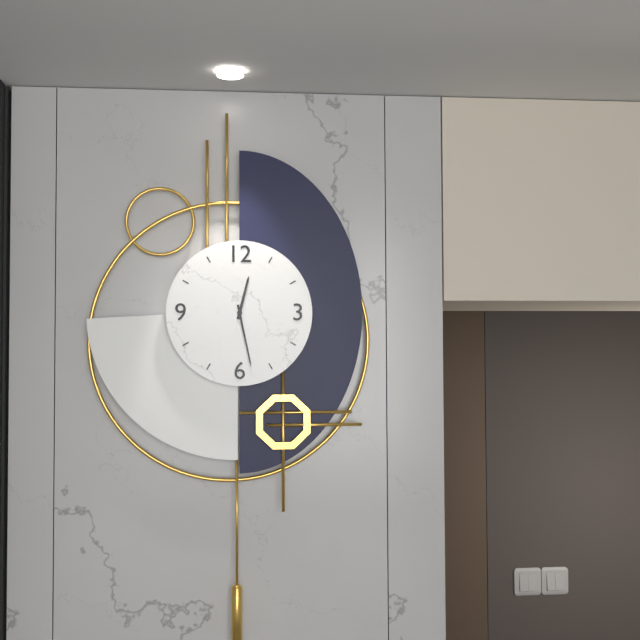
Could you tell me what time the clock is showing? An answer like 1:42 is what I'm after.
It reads 12:28
